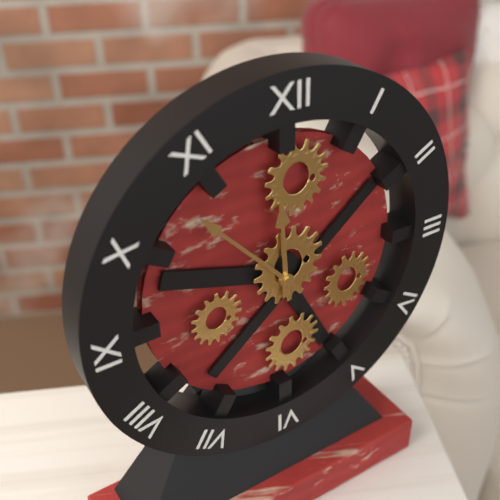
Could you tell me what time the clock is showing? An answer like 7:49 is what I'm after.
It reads 11:53
